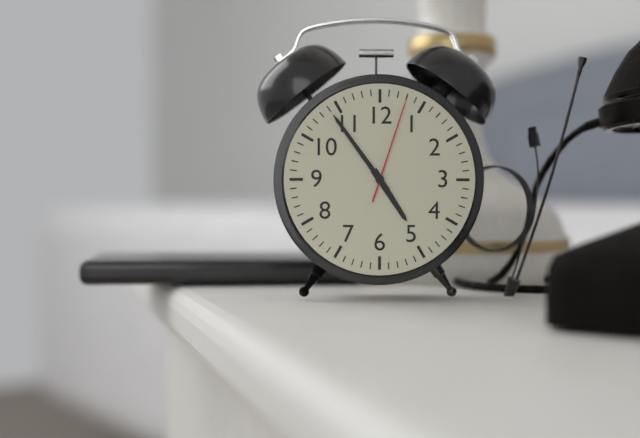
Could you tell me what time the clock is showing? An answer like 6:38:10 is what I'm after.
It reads 4:54:03
